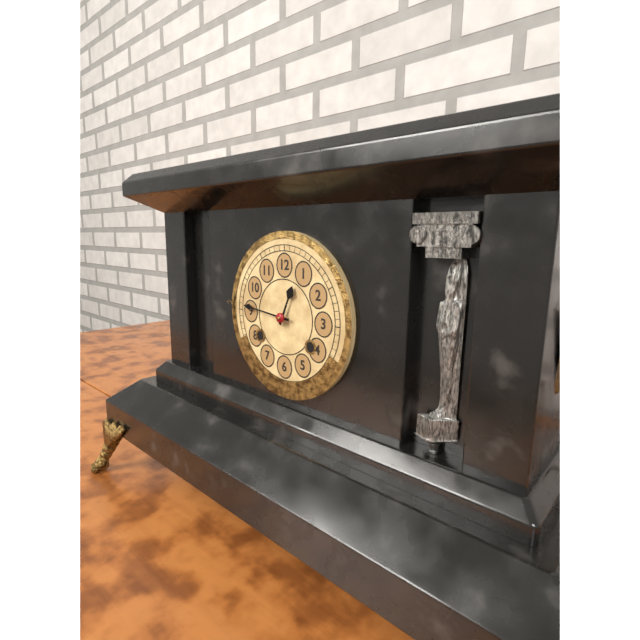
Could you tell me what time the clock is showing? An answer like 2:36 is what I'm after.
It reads 12:46
